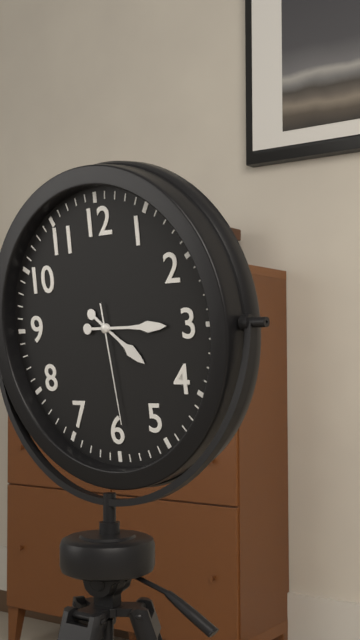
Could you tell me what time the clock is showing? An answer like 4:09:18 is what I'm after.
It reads 4:15:29
